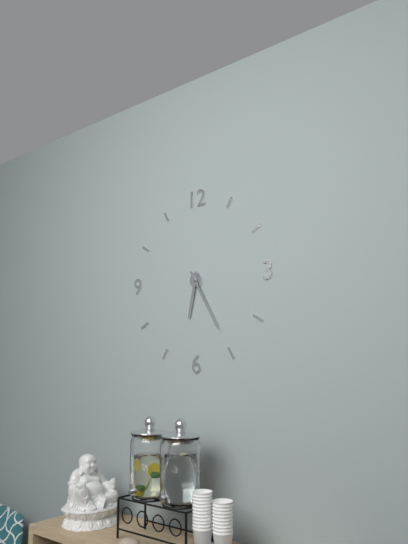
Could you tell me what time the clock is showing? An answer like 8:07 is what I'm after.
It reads 6:25
